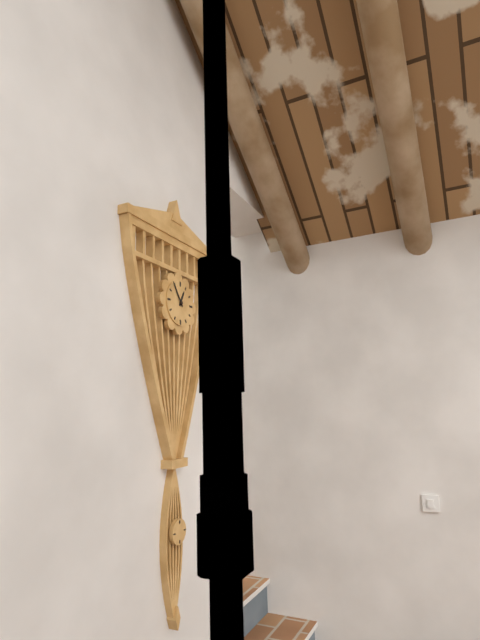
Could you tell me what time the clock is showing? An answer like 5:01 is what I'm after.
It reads 12:54
